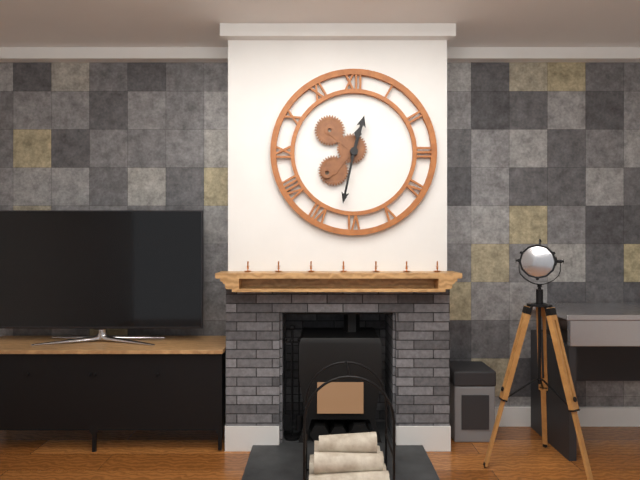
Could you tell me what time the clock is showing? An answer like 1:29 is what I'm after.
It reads 12:32
